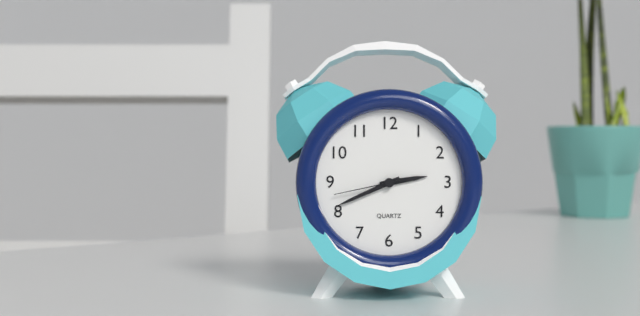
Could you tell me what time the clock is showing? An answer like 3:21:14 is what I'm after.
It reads 2:41:43
